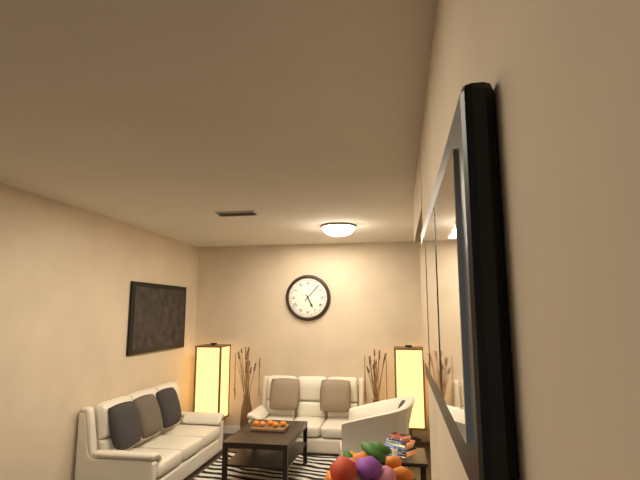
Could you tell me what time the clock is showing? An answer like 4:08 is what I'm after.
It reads 5:07
